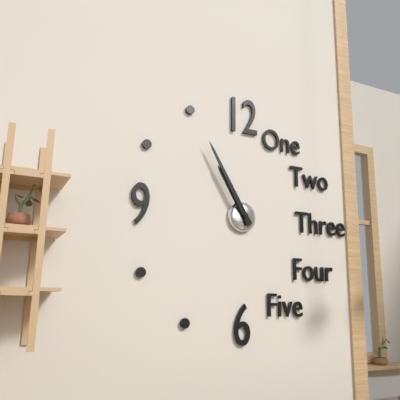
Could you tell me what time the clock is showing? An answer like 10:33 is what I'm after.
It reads 10:55
